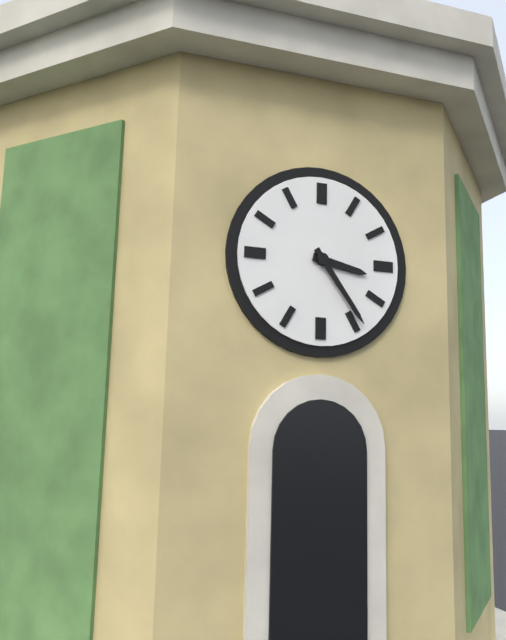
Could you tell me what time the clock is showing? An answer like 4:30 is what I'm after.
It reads 3:24
